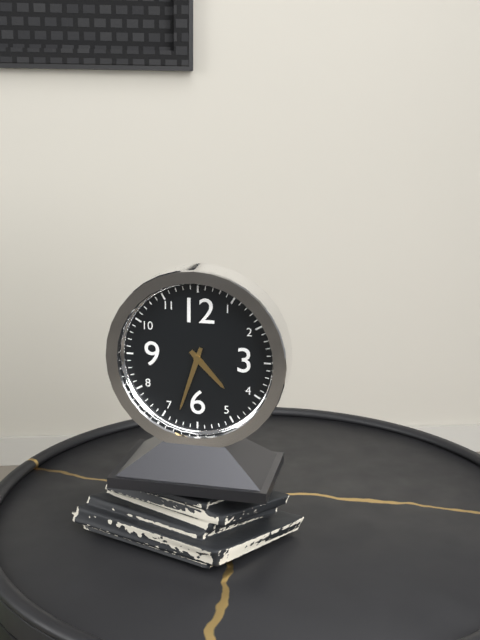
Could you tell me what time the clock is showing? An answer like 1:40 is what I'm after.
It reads 4:33
